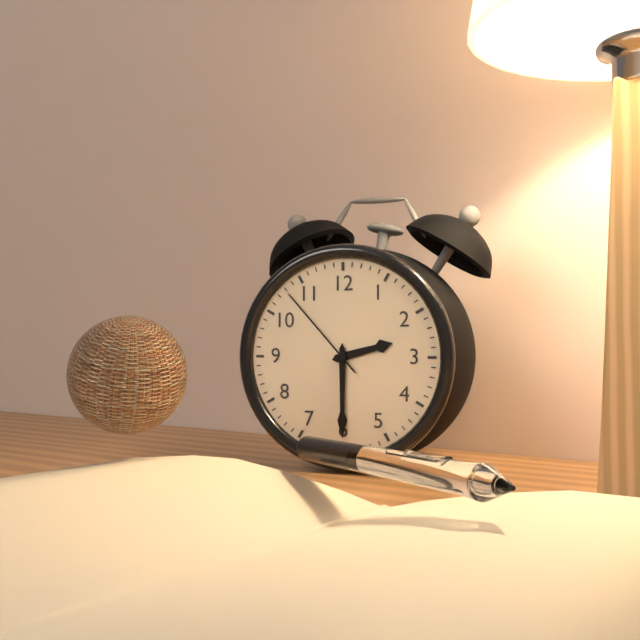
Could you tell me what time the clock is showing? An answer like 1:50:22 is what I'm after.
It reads 2:30:53
